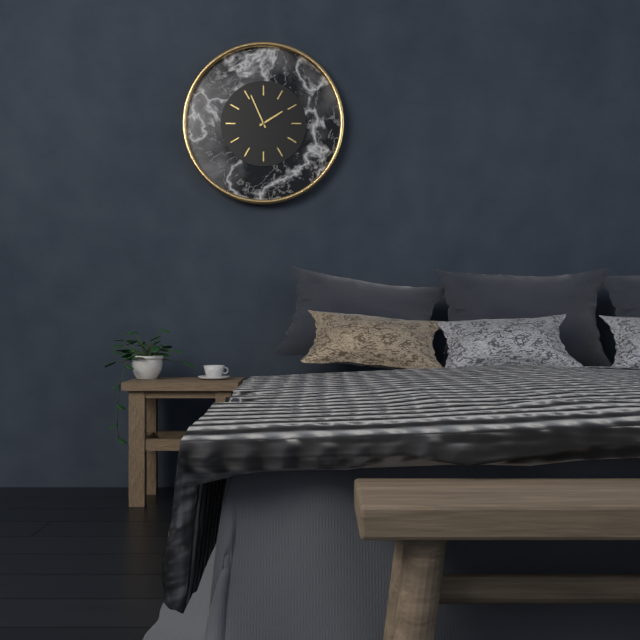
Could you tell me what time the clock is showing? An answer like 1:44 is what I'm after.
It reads 1:56
